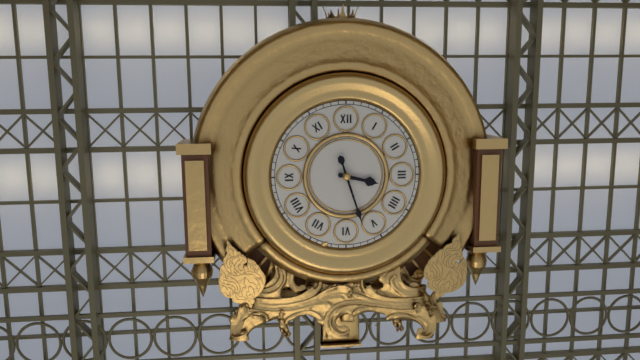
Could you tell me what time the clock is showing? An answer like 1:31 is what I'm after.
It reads 3:27
